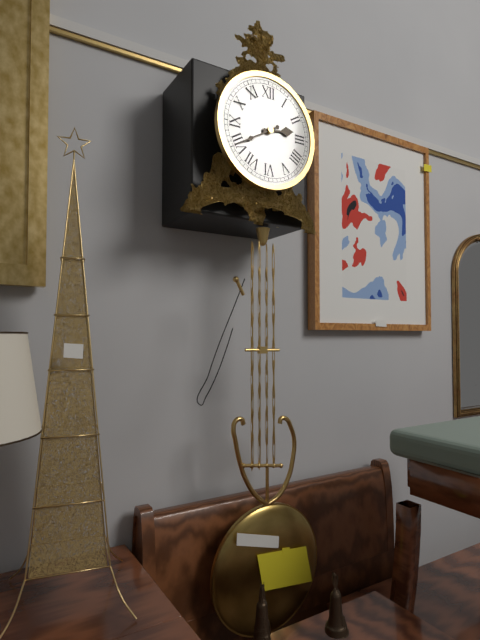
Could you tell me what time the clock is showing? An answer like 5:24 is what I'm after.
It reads 2:40
